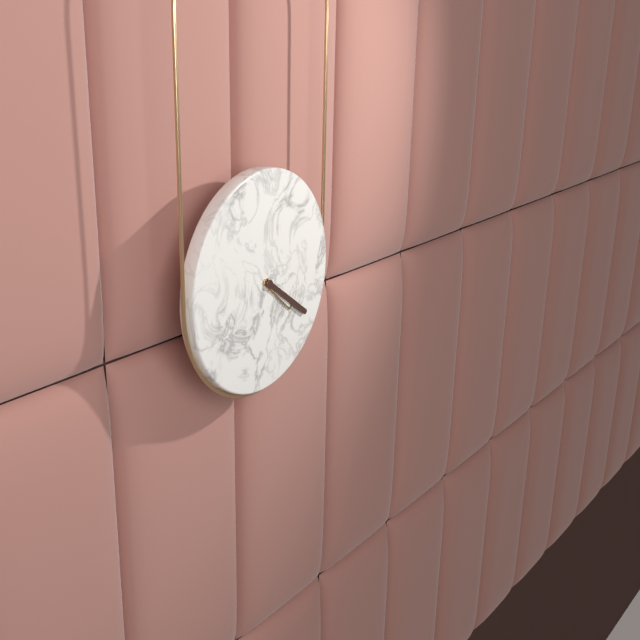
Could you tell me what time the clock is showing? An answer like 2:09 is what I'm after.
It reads 4:21
